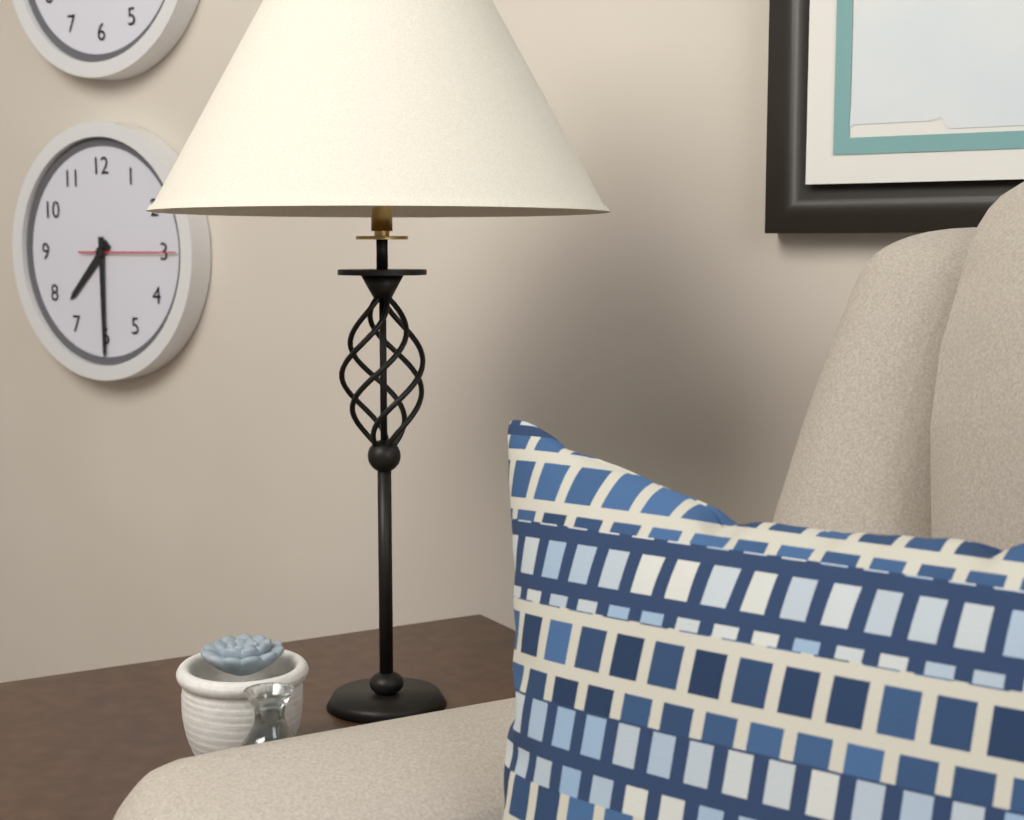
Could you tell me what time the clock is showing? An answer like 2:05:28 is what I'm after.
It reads 7:30:15
